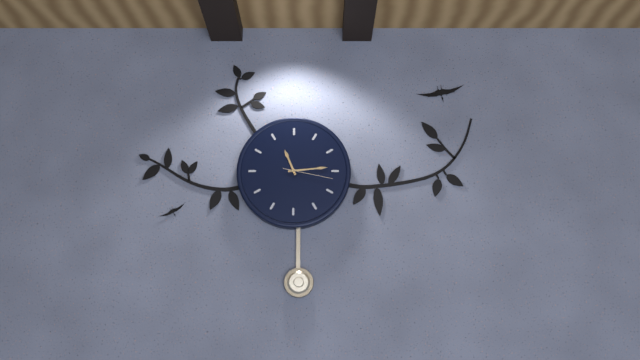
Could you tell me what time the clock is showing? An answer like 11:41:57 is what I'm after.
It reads 11:14:17
